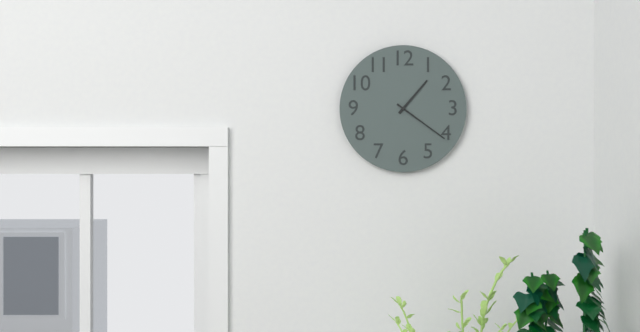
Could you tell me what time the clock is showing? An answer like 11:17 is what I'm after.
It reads 1:21
